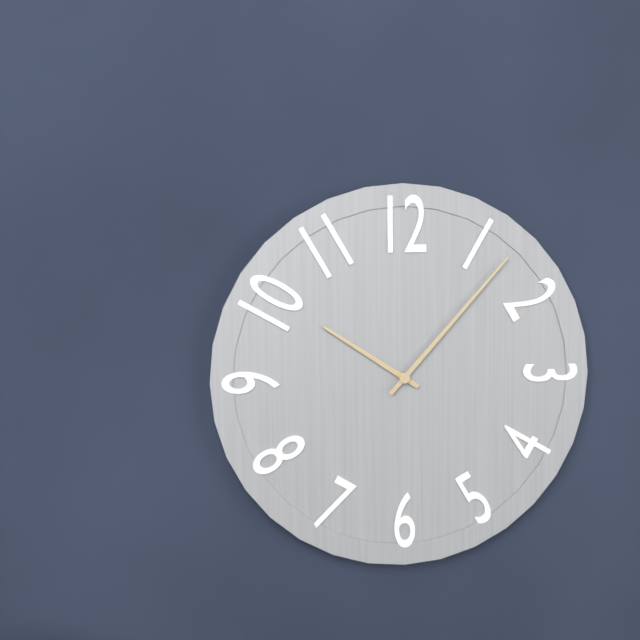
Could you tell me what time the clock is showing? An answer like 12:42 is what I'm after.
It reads 10:07
